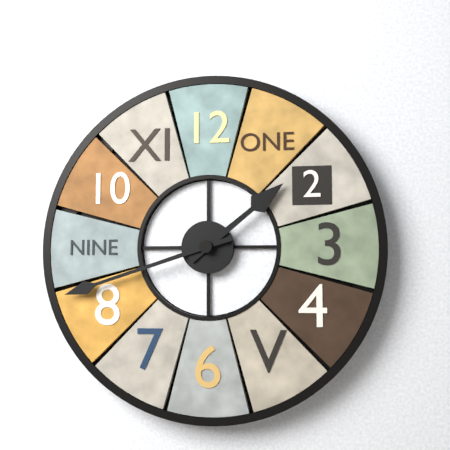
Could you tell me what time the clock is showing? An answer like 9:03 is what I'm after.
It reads 1:42
